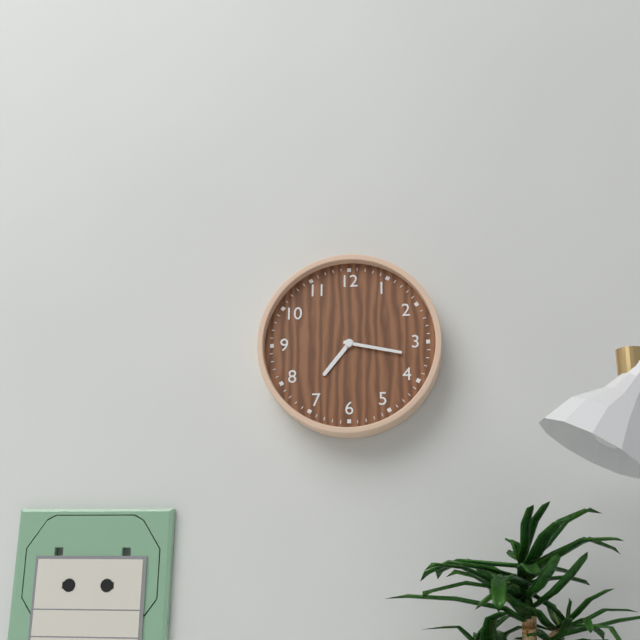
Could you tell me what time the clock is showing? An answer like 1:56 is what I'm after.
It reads 7:17
